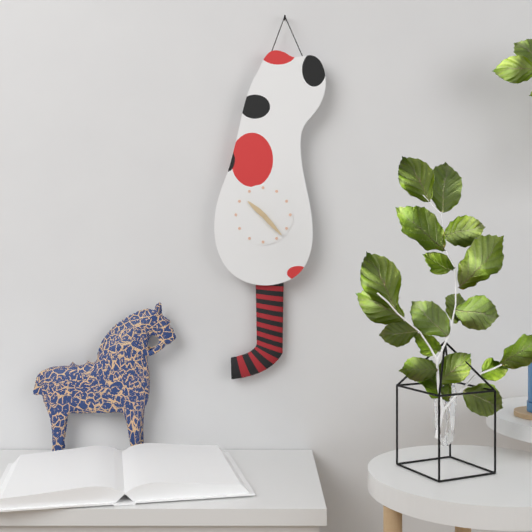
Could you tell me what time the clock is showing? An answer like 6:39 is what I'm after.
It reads 10:23
